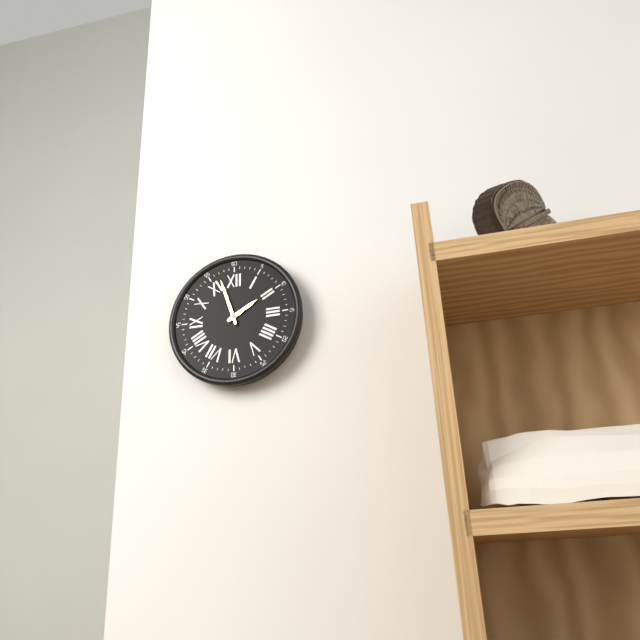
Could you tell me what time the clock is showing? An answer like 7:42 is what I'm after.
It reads 1:57
